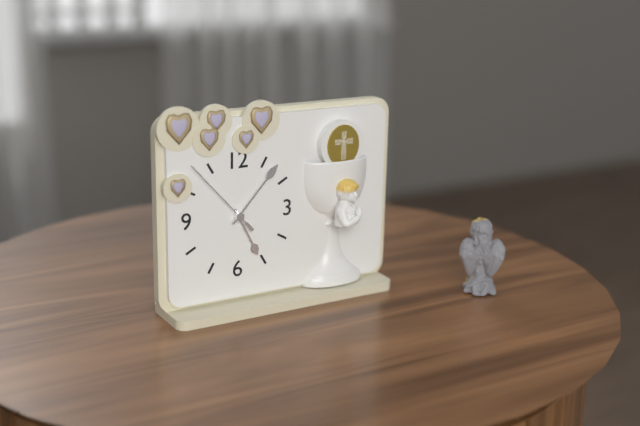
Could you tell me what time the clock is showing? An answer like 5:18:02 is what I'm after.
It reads 5:07:53
